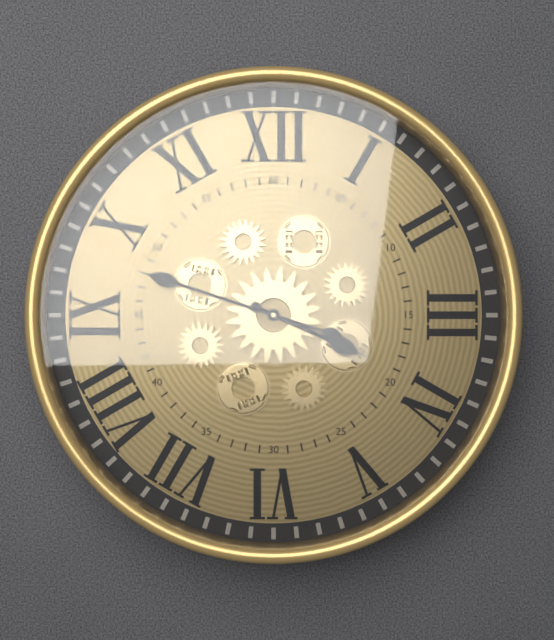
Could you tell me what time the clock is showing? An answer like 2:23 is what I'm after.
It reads 3:48
